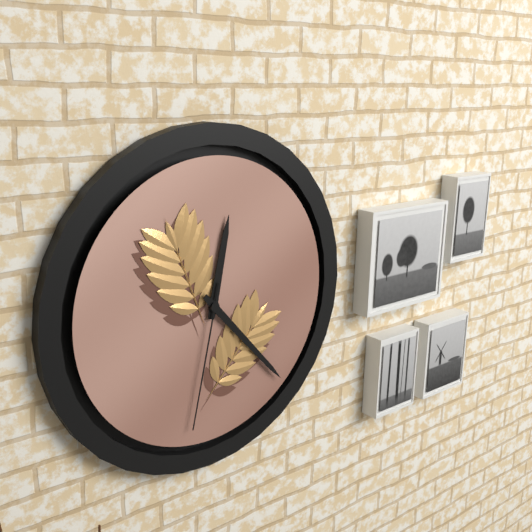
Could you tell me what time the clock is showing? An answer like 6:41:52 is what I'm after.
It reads 12:23:32
